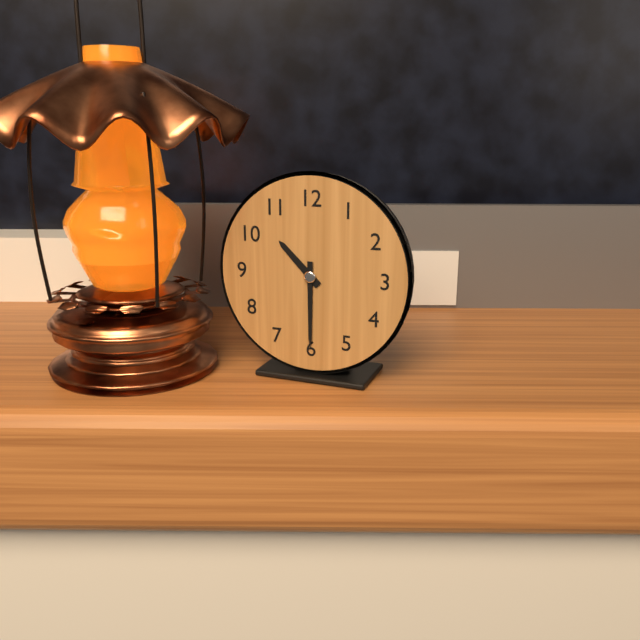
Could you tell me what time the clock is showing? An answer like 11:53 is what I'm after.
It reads 10:30
